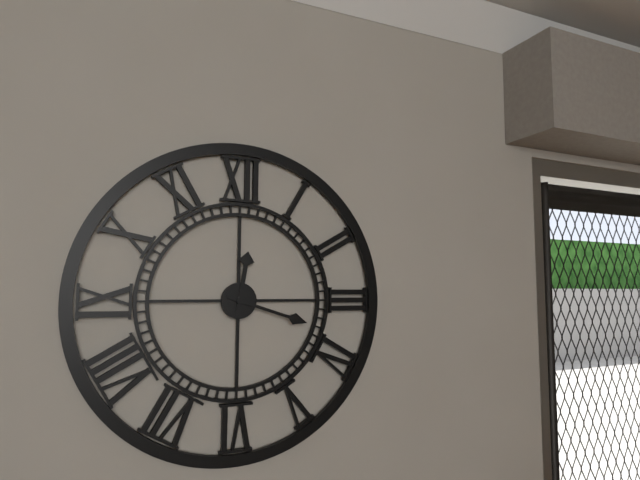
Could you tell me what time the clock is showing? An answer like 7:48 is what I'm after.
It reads 12:18
